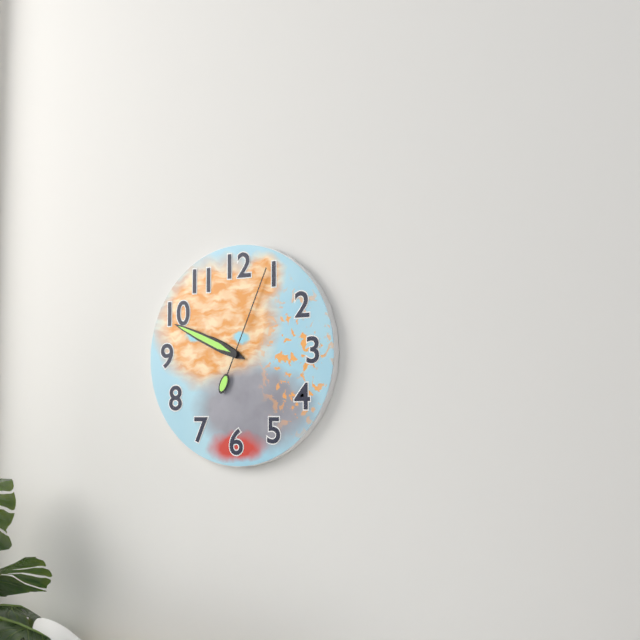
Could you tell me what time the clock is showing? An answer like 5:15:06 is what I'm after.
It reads 9:49:04
